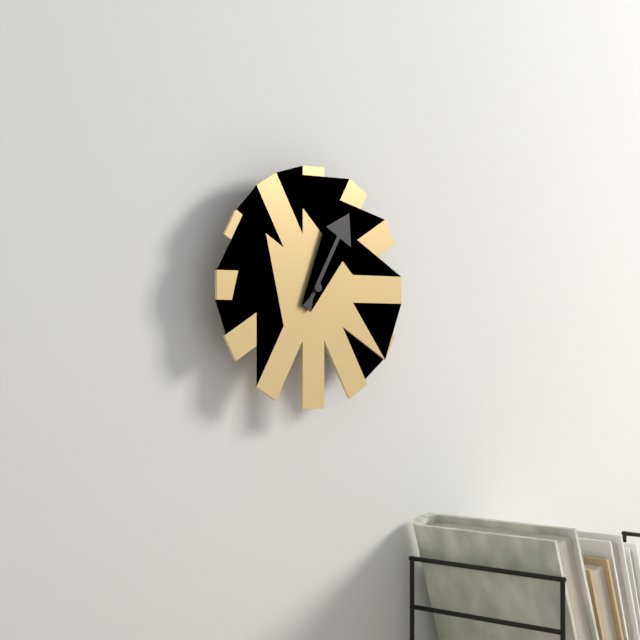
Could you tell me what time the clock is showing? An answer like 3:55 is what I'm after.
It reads 1:05
